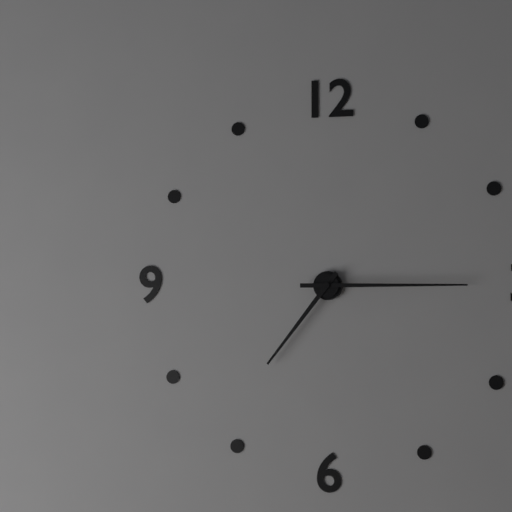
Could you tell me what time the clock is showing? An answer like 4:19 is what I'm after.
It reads 7:15
